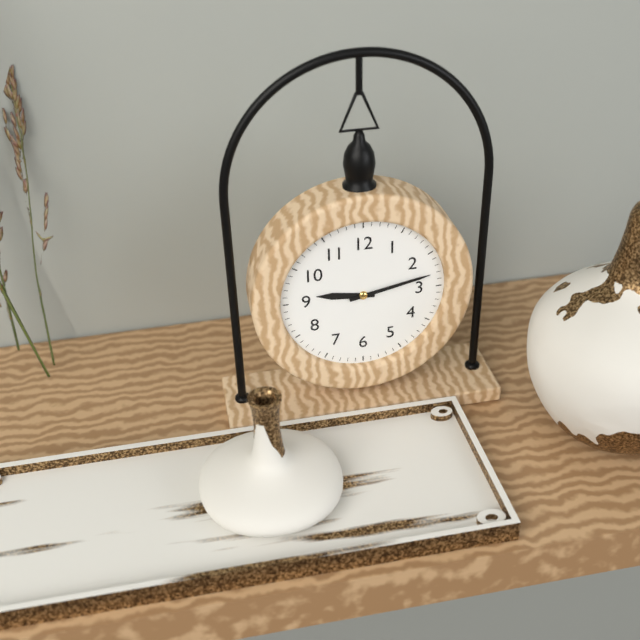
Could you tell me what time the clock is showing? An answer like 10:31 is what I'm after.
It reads 9:13
